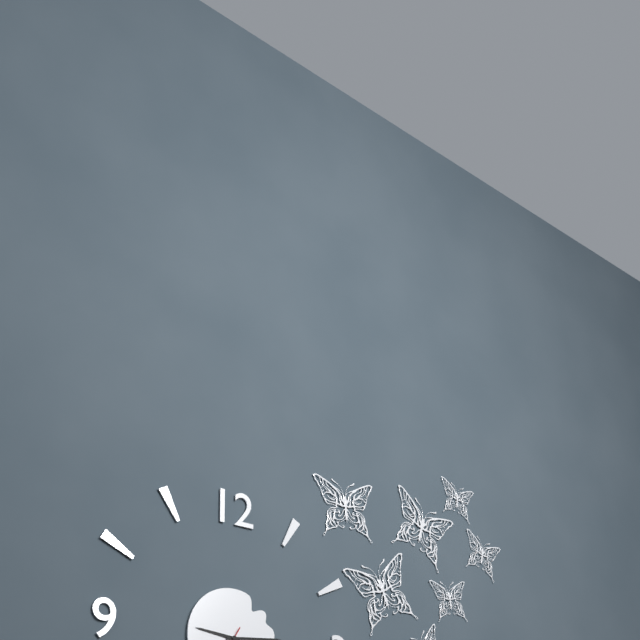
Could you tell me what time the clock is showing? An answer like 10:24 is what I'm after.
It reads 9:14
